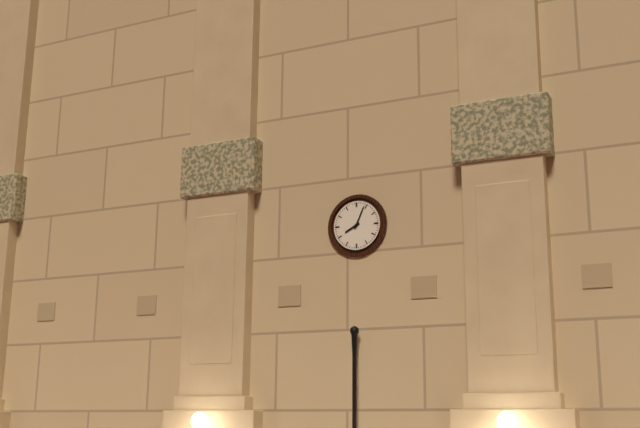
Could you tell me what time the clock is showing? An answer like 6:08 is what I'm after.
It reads 8:04
